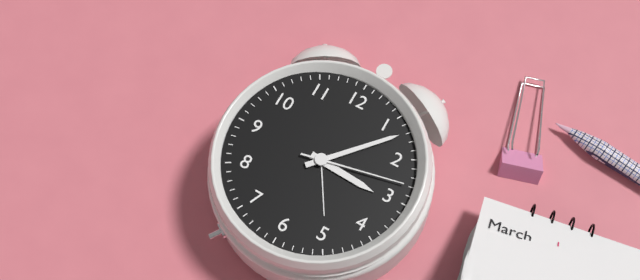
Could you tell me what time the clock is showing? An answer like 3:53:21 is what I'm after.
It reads 3:07:13
